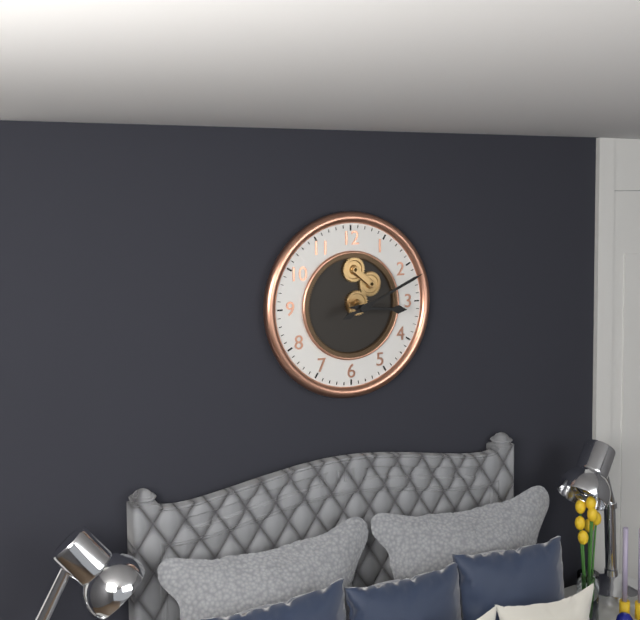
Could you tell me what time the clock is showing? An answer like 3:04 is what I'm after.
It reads 3:11
